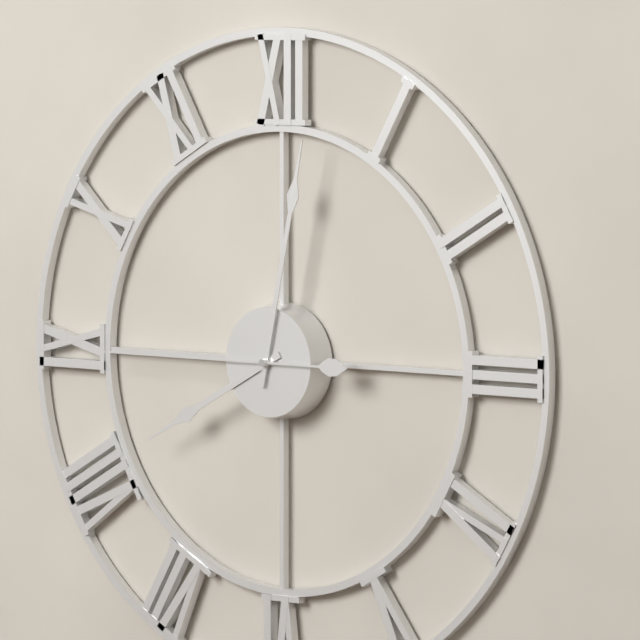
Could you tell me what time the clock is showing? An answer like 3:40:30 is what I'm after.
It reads 8:02:45
